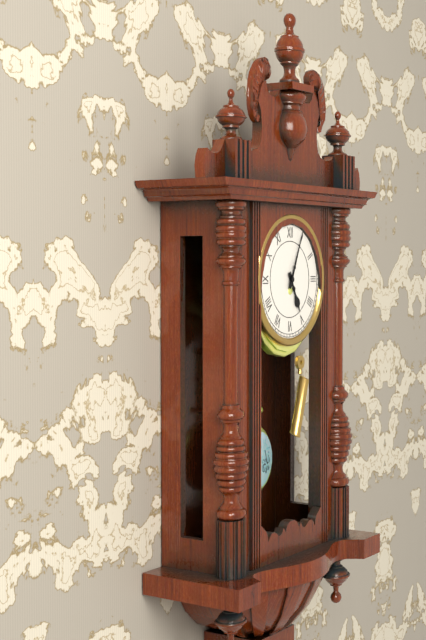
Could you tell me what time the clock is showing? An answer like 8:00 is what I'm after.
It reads 5:04
